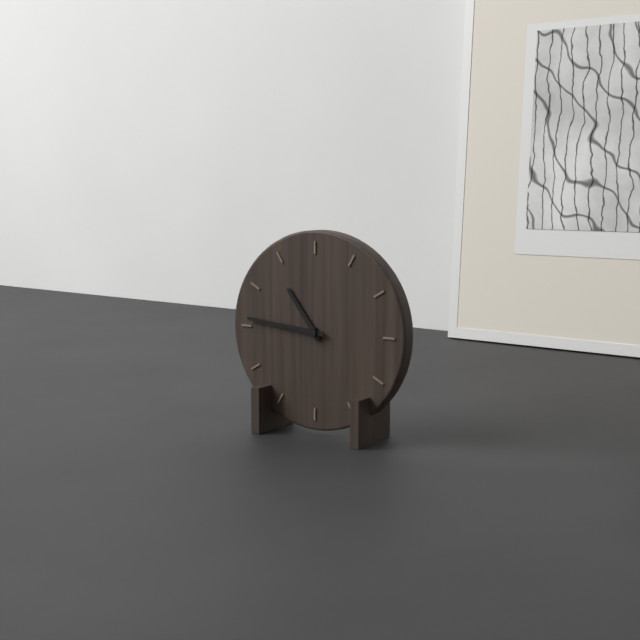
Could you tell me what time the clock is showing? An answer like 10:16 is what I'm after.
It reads 10:46
